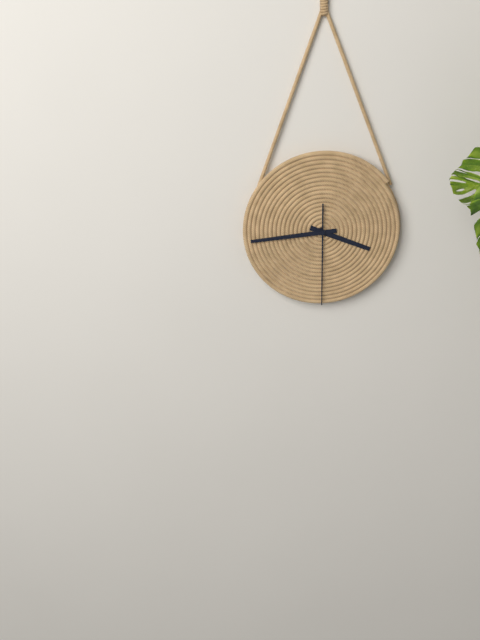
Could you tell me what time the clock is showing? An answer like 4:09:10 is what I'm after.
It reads 3:44:30
